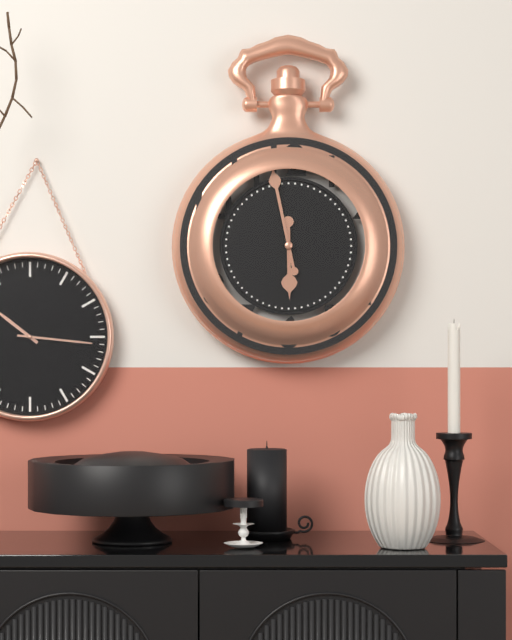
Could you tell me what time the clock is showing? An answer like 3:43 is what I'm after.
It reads 5:58
